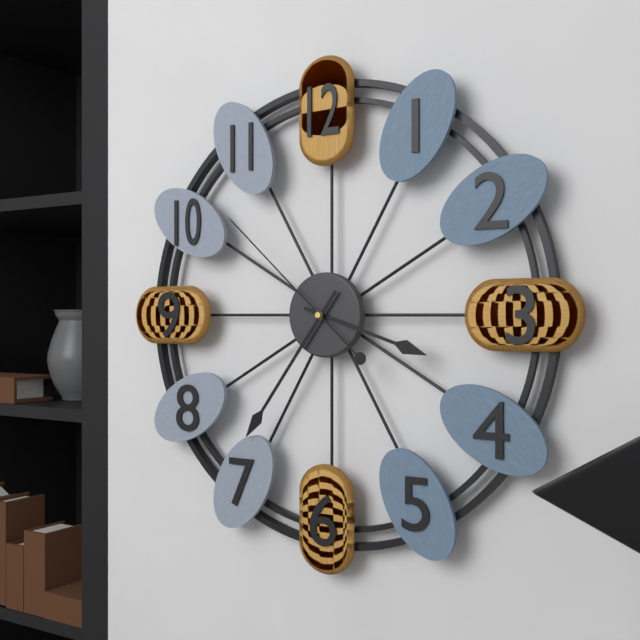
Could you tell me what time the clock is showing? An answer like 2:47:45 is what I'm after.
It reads 3:36:52
